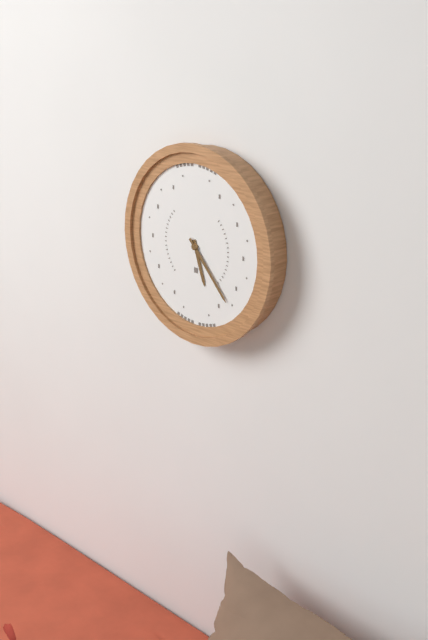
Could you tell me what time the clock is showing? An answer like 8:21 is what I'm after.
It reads 5:23
